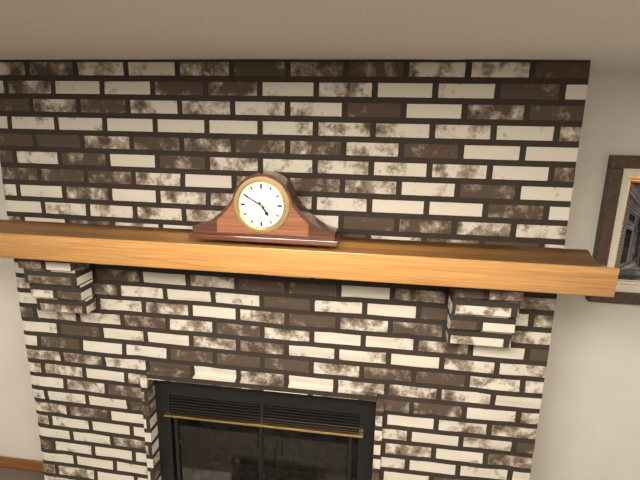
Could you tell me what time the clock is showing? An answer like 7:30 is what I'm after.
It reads 4:50
